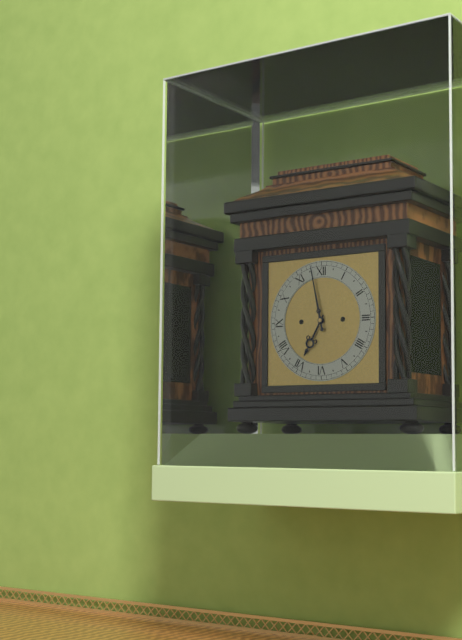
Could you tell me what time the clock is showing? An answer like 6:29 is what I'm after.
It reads 6:58
